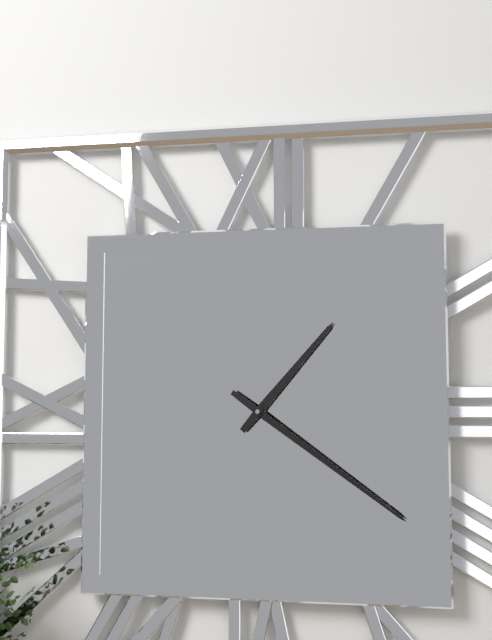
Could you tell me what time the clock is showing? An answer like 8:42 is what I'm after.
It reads 1:21
